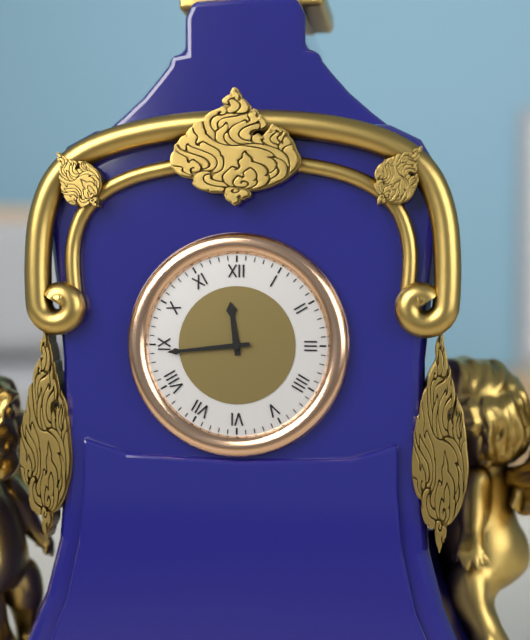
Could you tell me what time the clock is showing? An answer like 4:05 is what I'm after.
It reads 11:44
